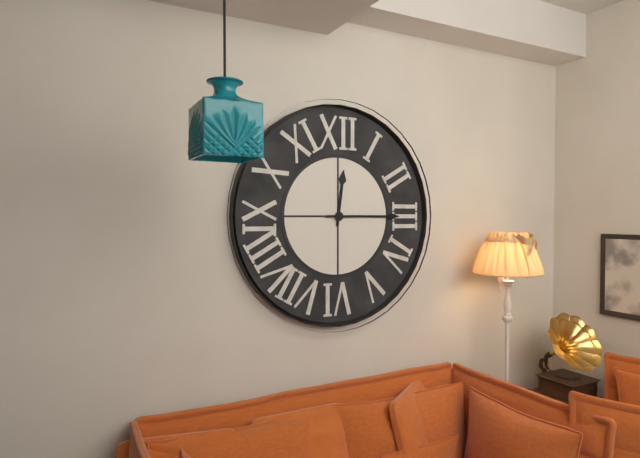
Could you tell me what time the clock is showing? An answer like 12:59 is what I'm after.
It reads 12:15
